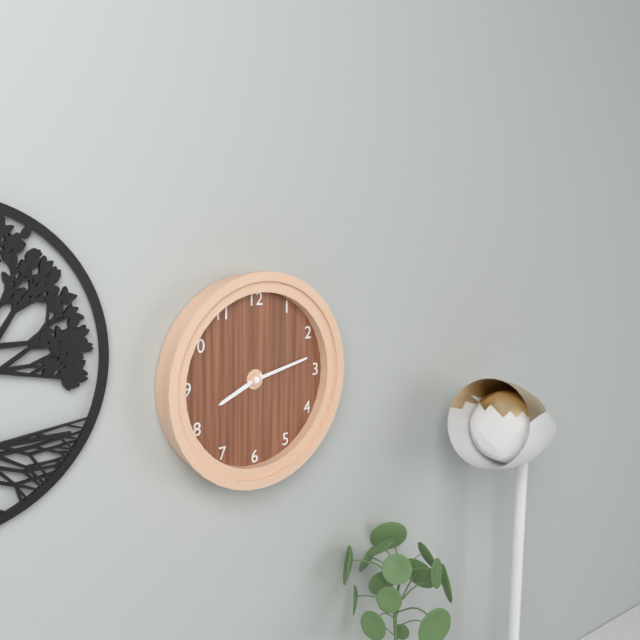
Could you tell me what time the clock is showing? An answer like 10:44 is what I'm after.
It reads 8:13
